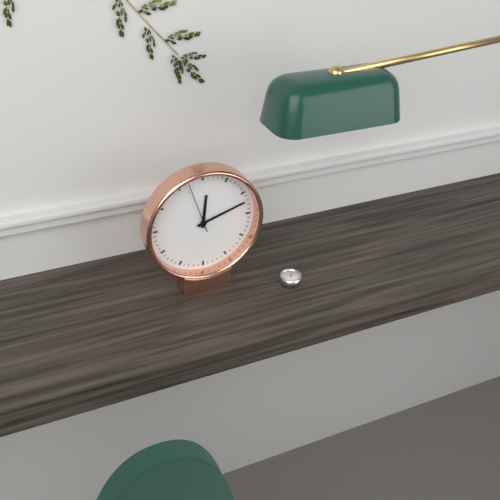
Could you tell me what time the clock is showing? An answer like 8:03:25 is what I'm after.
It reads 12:12:57
